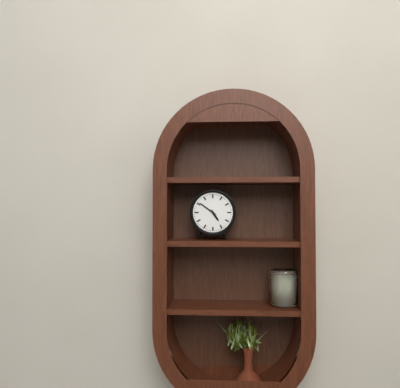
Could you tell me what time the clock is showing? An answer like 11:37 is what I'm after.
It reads 4:51
